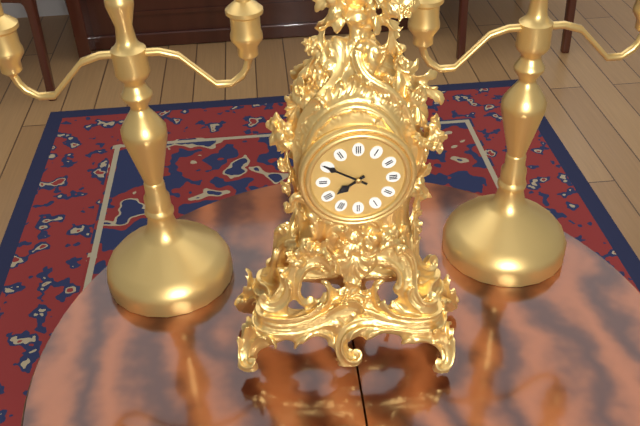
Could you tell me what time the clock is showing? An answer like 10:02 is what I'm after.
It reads 7:50
